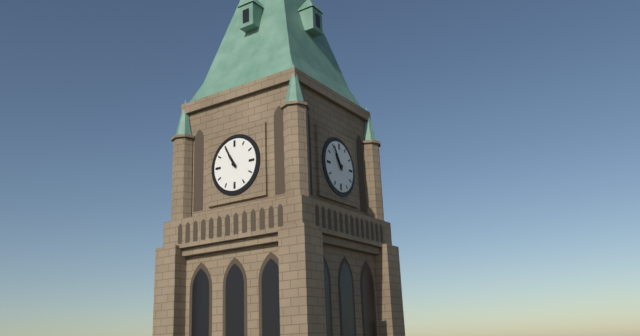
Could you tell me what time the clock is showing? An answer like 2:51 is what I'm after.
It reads 10:55
